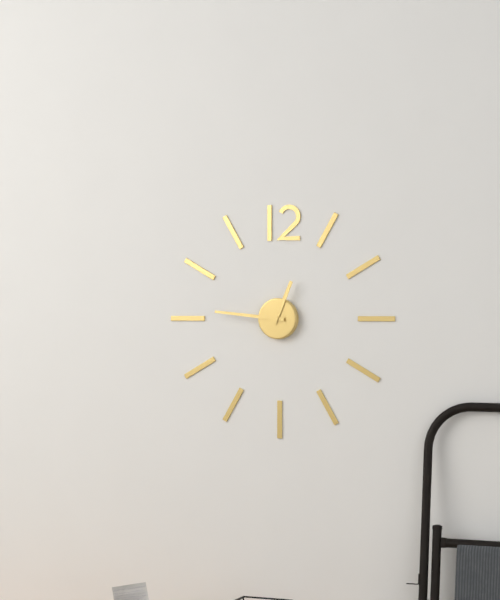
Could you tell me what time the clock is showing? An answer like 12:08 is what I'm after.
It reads 12:46
